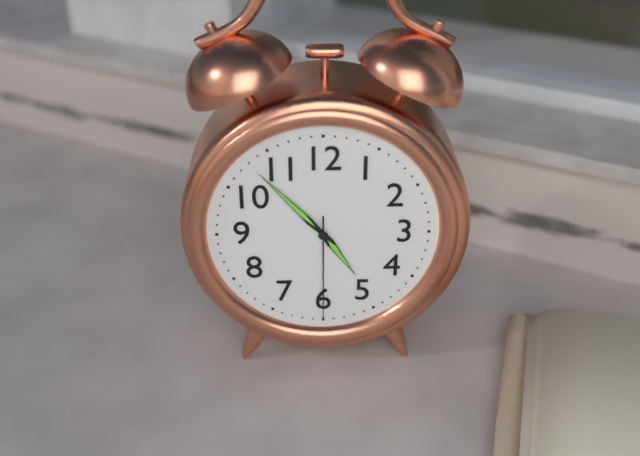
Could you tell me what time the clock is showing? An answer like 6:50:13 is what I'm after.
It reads 4:53:30
